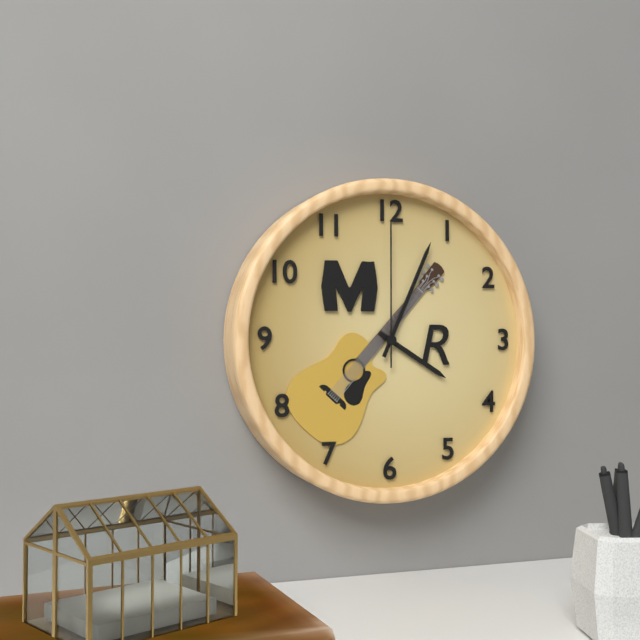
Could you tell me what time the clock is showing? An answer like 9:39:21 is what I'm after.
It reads 4:04:00
